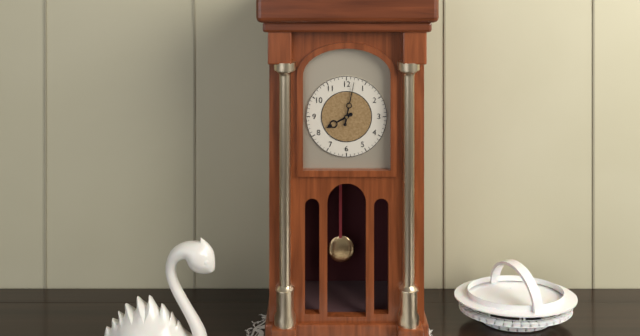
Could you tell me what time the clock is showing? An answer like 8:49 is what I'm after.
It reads 8:02
